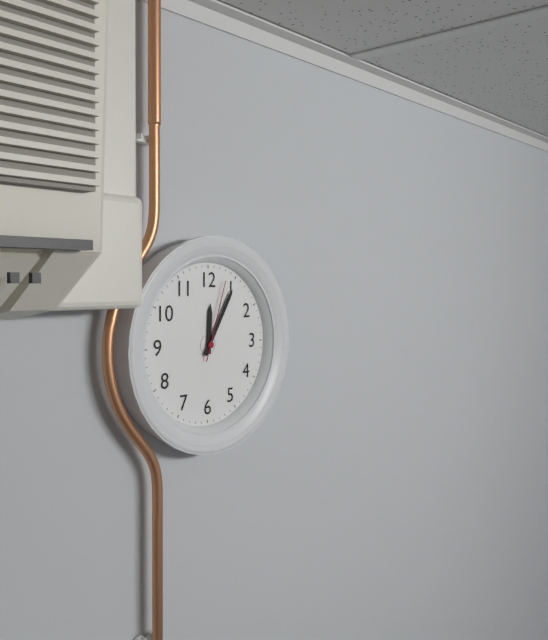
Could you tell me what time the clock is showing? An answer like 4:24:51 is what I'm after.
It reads 12:05:03
